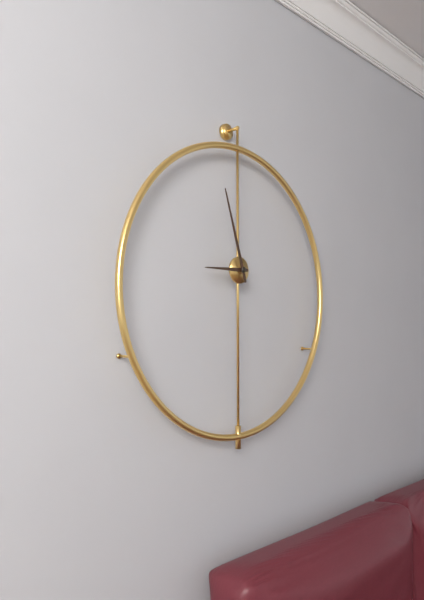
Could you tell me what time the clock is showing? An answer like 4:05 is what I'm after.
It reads 8:57
